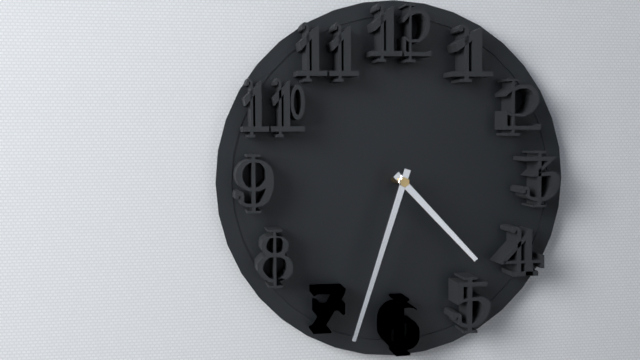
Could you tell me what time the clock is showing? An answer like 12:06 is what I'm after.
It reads 4:33
